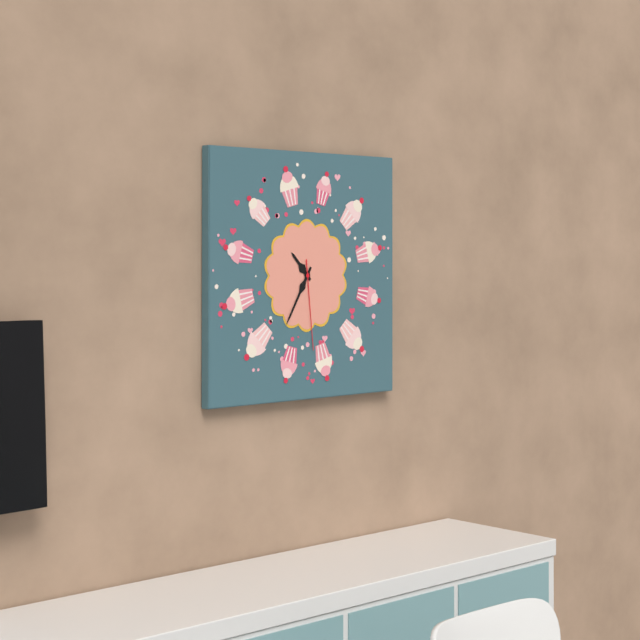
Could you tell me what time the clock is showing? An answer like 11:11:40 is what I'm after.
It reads 10:35:29
